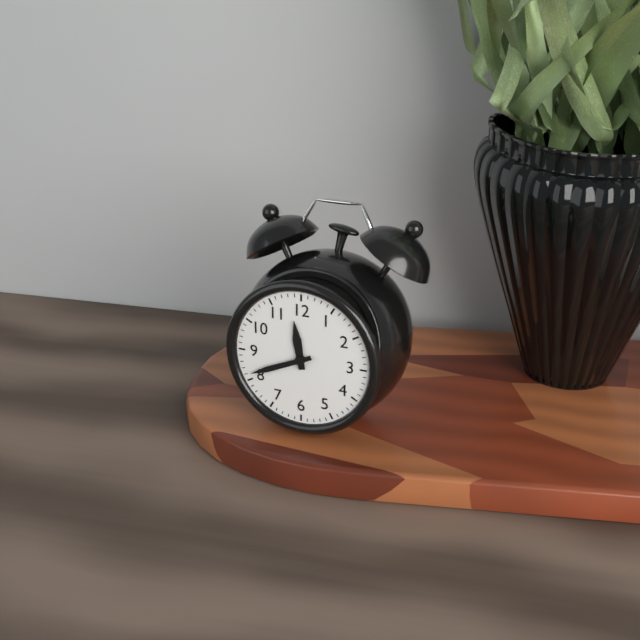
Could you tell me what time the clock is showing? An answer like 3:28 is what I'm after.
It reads 11:41
